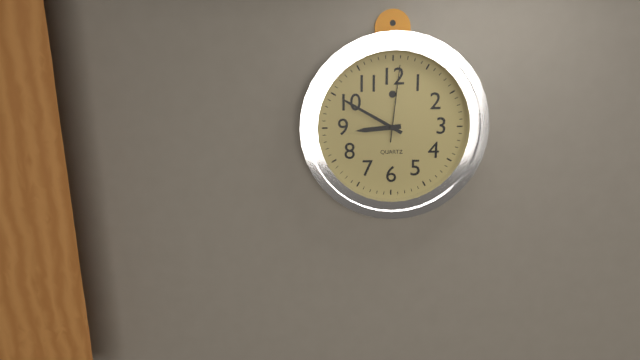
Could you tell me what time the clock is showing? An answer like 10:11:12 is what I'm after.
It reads 8:50:01
